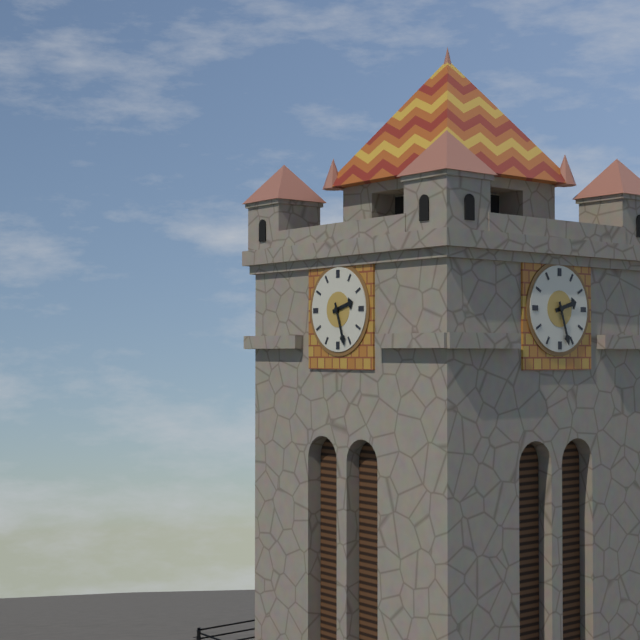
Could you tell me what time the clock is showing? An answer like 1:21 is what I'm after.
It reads 2:27
